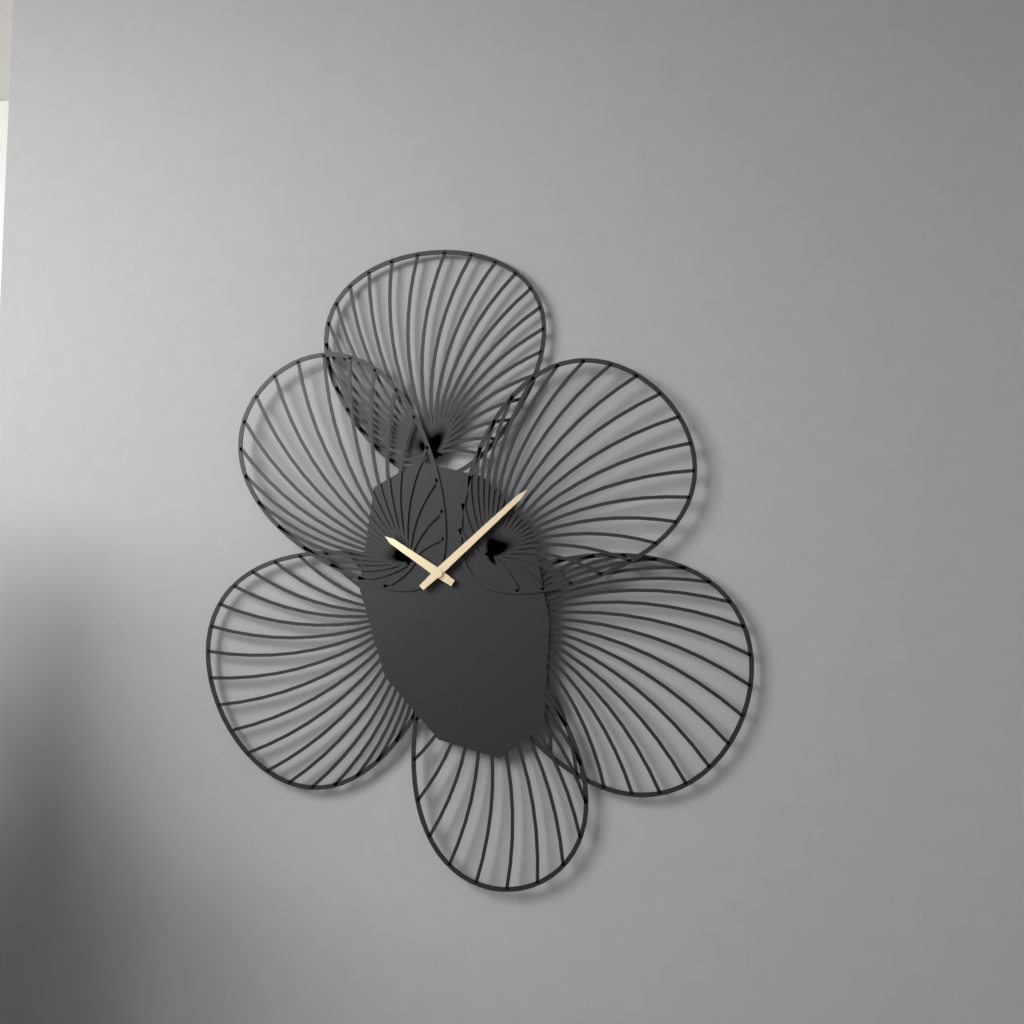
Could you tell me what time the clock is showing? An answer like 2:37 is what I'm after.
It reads 10:08
